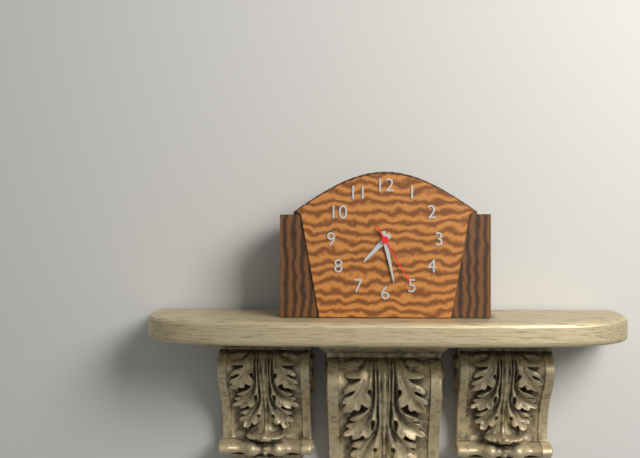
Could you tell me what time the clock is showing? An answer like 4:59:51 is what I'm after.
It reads 7:28:25
